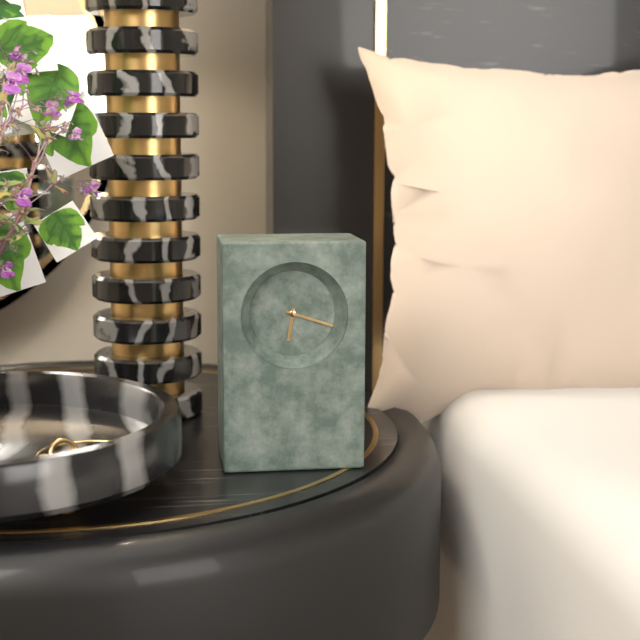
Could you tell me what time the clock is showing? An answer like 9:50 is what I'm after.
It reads 6:18
